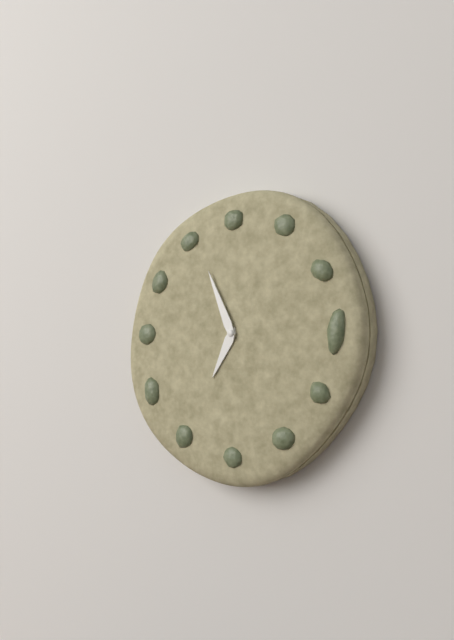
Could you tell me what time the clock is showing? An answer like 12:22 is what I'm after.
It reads 6:56
